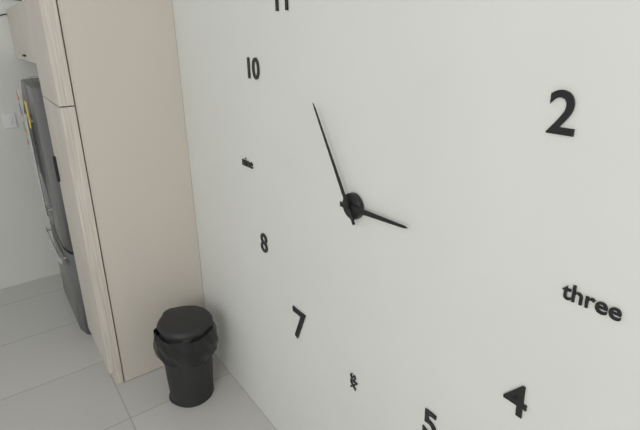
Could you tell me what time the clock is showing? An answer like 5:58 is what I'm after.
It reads 2:55
